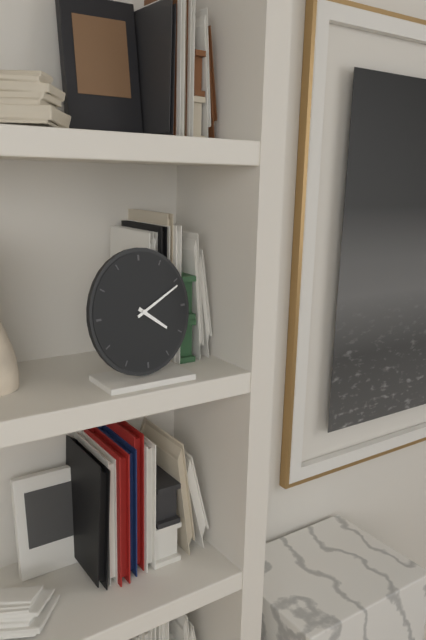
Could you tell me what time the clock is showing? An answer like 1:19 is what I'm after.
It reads 4:11
